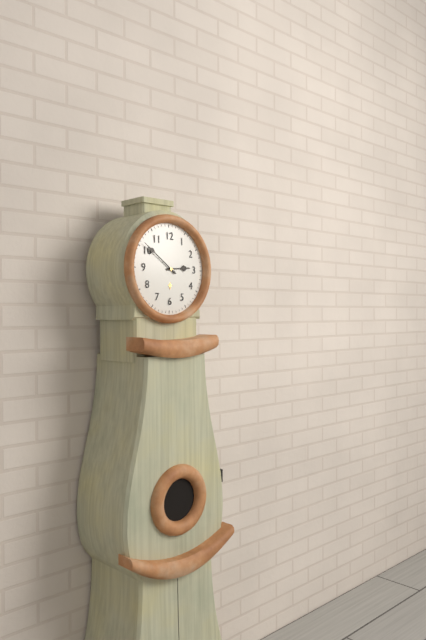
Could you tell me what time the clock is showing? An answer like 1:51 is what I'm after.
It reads 2:51
